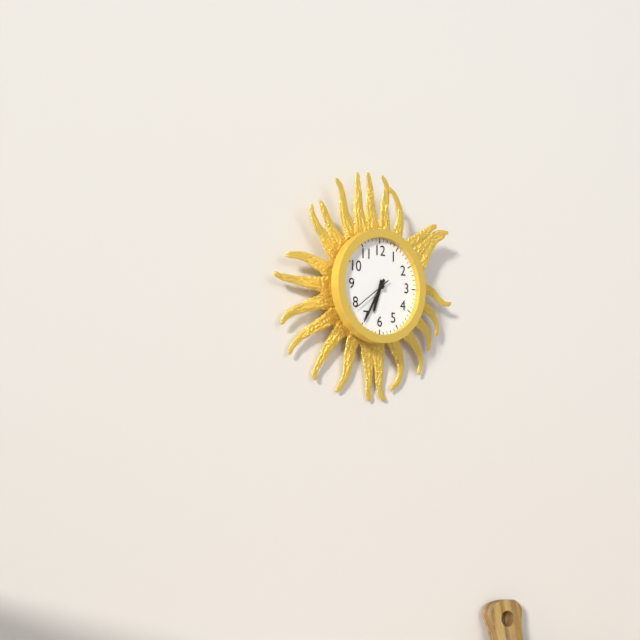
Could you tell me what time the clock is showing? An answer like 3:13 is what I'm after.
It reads 6:35
